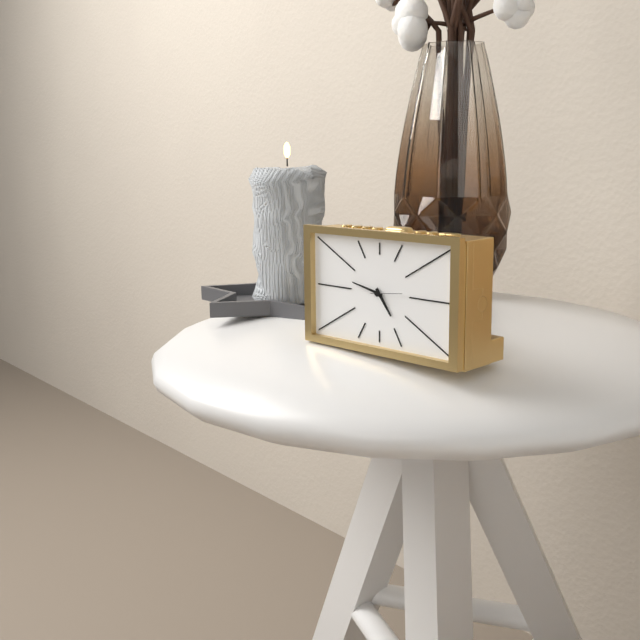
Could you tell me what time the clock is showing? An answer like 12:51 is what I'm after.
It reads 4:47
